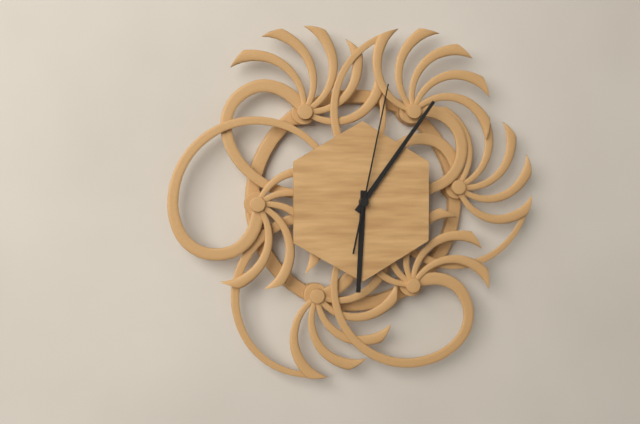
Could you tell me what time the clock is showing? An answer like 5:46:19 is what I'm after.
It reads 6:06:02
